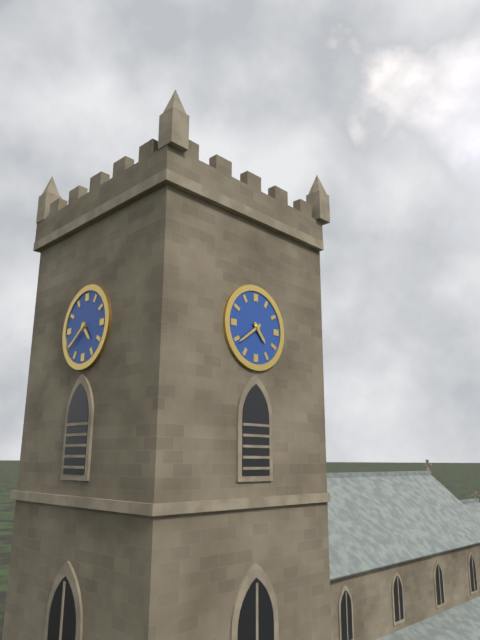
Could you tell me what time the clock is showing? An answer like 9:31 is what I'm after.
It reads 4:39
